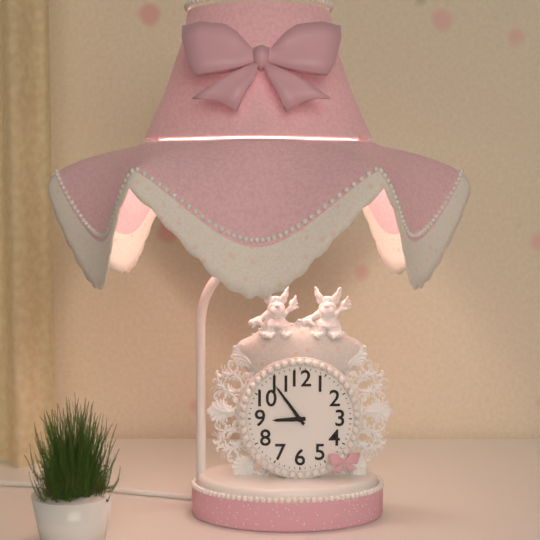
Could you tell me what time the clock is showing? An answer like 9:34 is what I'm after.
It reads 8:54
